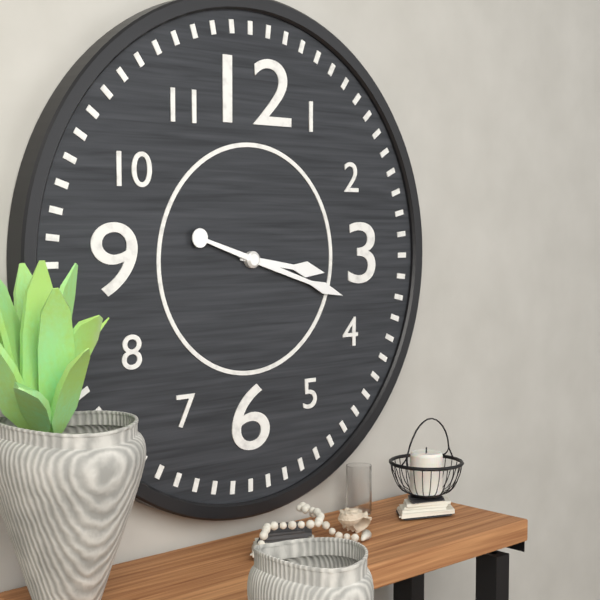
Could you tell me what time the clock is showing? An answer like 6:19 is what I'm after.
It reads 3:18
